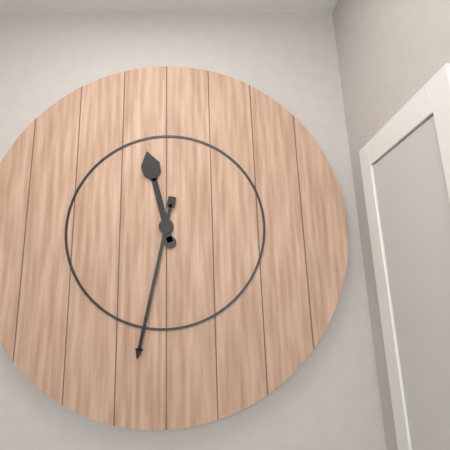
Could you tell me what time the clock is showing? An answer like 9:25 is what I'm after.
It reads 11:32
